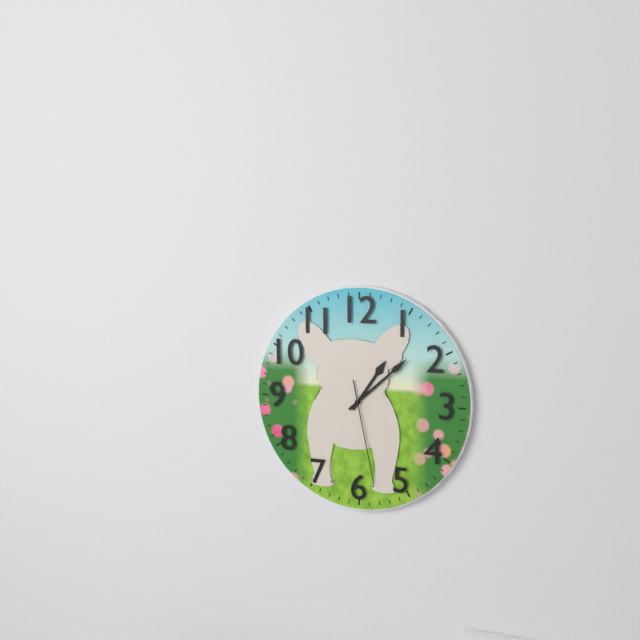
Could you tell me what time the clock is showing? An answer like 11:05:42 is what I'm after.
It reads 1:08:28
